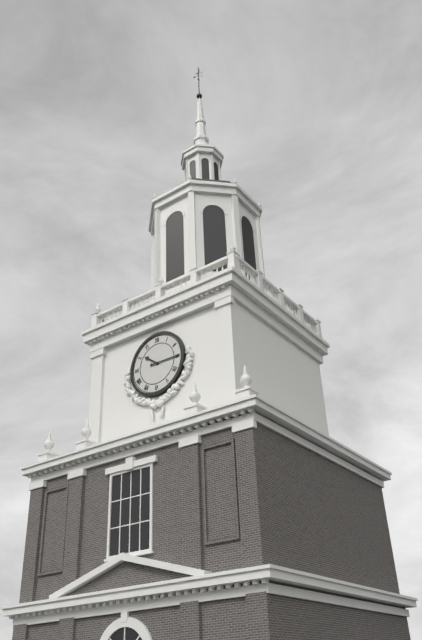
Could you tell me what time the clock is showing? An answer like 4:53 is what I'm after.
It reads 10:15
